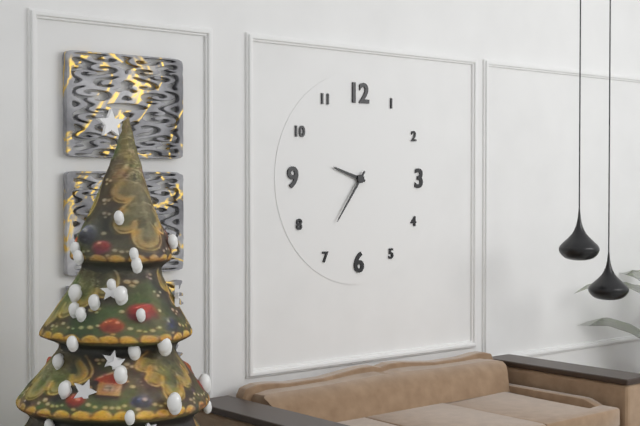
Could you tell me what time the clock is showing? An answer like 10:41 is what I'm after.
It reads 9:36
